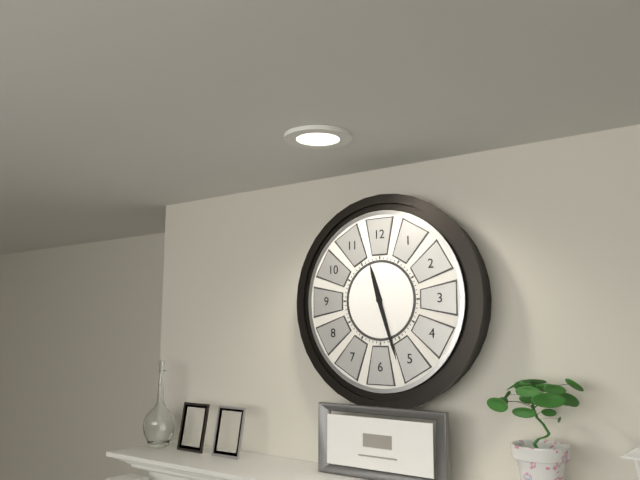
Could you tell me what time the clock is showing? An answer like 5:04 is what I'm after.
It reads 11:27
